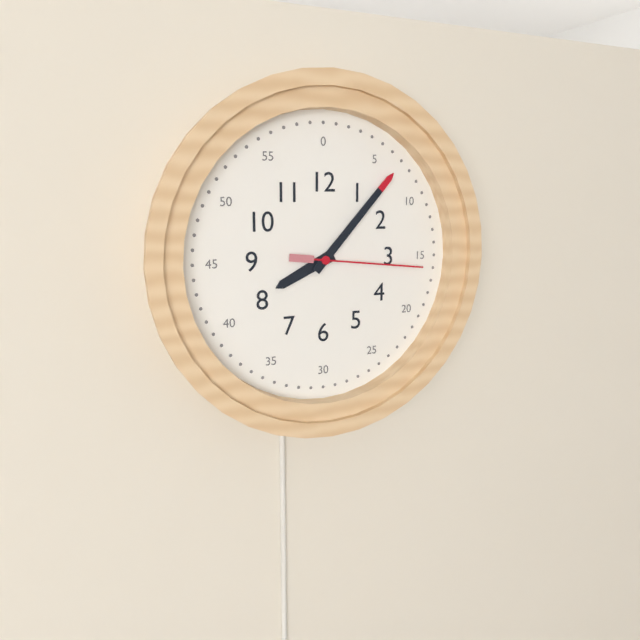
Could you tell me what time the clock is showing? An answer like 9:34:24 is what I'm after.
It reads 8:07:16
